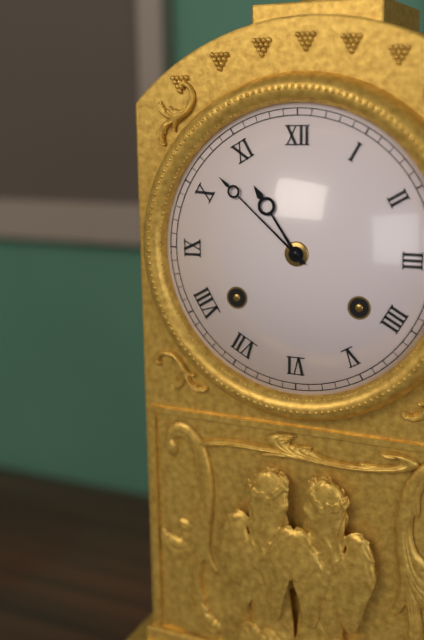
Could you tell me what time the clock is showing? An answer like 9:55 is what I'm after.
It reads 10:52
